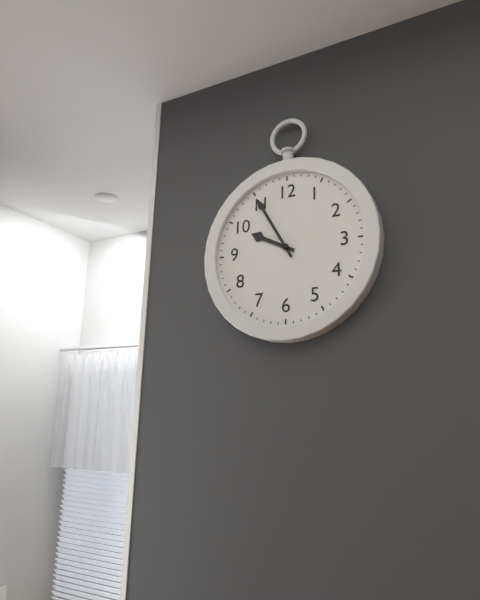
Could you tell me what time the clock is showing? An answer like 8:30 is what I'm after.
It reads 9:55
